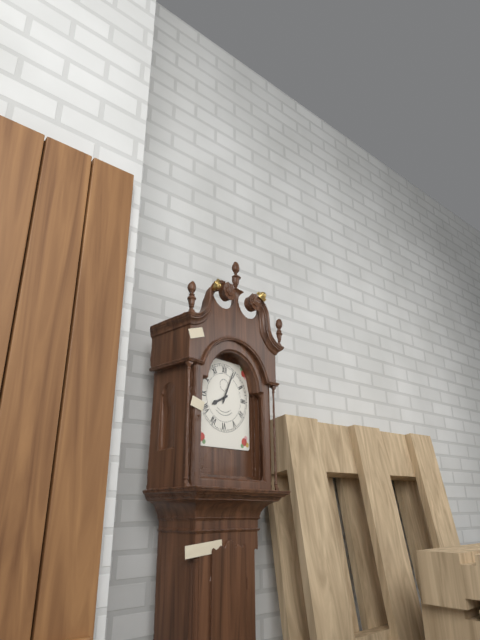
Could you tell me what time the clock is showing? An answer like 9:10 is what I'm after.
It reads 8:04
